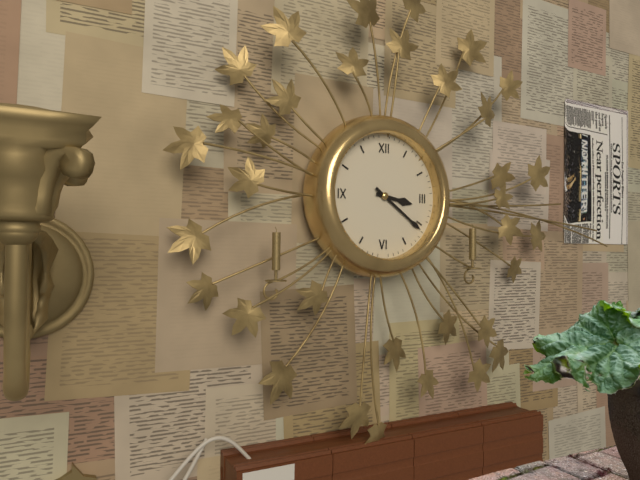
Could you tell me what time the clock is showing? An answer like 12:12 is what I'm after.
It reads 3:21
